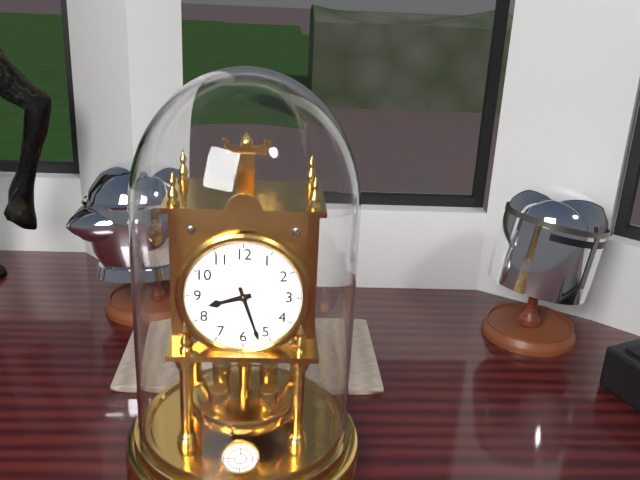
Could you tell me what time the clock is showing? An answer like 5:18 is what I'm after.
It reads 8:27
